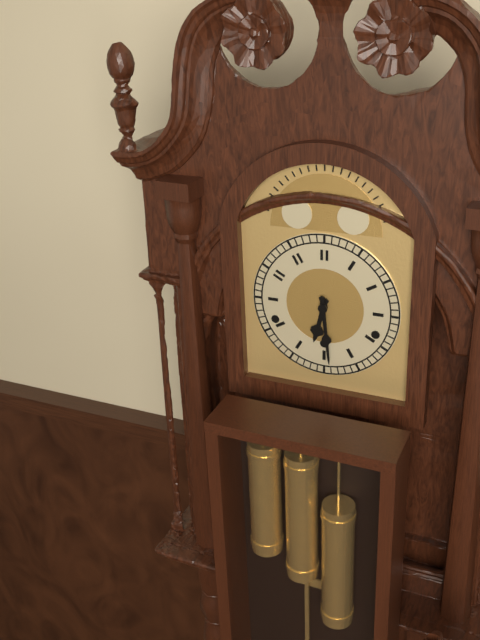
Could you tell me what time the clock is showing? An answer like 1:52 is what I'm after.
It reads 6:29
